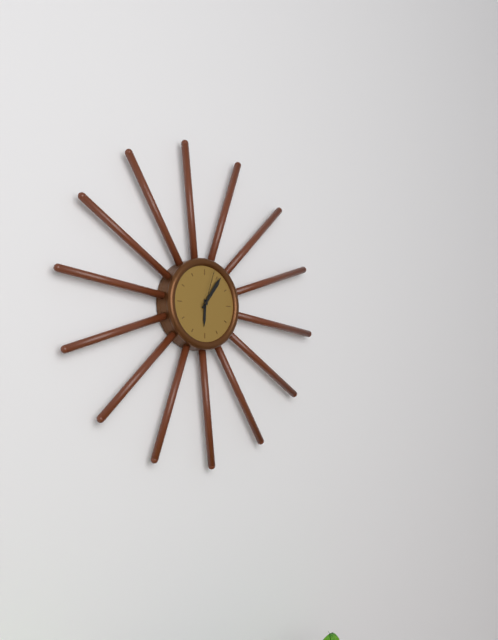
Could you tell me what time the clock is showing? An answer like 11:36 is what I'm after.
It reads 6:06
